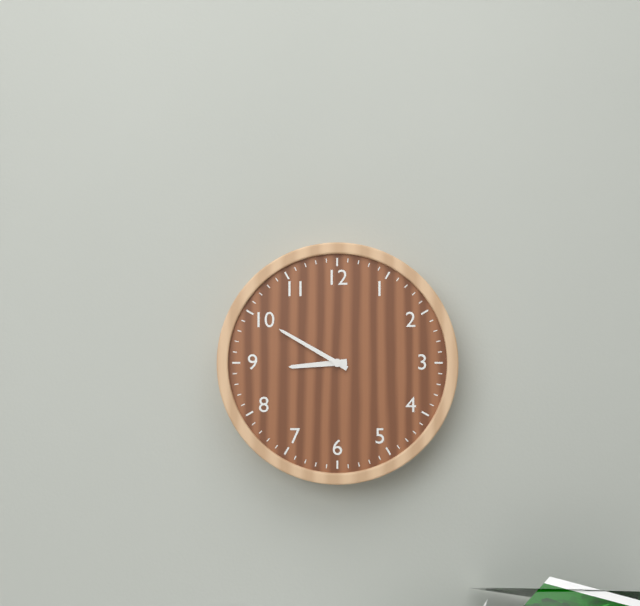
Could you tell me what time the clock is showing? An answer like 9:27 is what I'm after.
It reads 8:50
